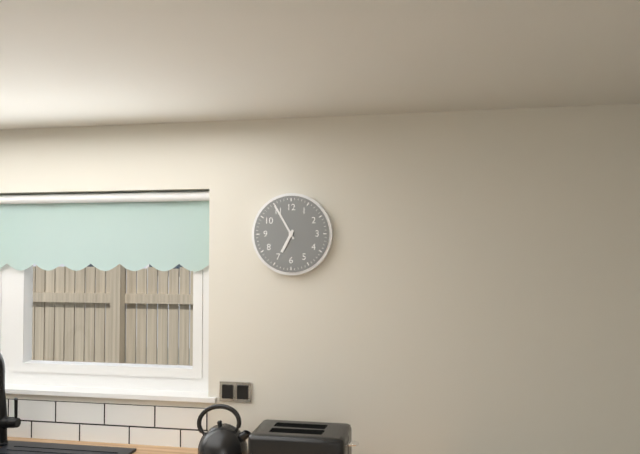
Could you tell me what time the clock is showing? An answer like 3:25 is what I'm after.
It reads 6:55
